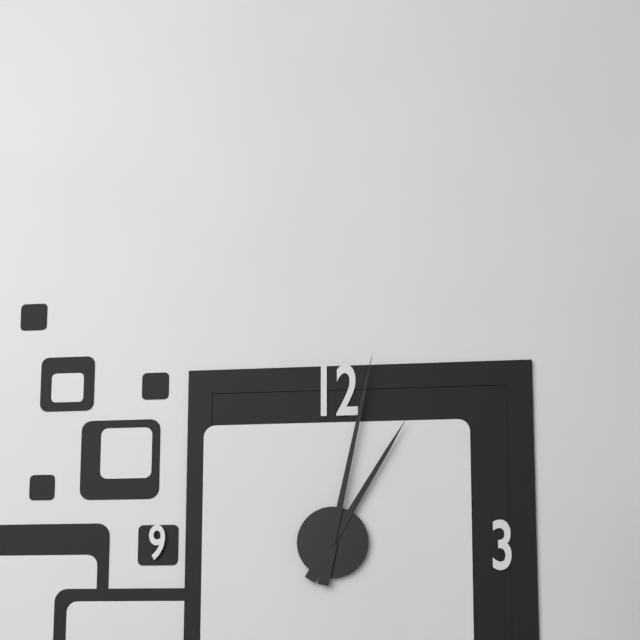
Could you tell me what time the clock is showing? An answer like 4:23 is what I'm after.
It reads 1:02
